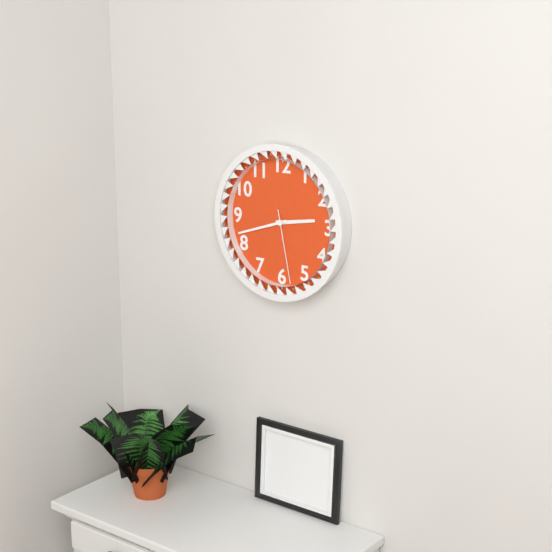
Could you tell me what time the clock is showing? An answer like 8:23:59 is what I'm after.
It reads 2:42:28
